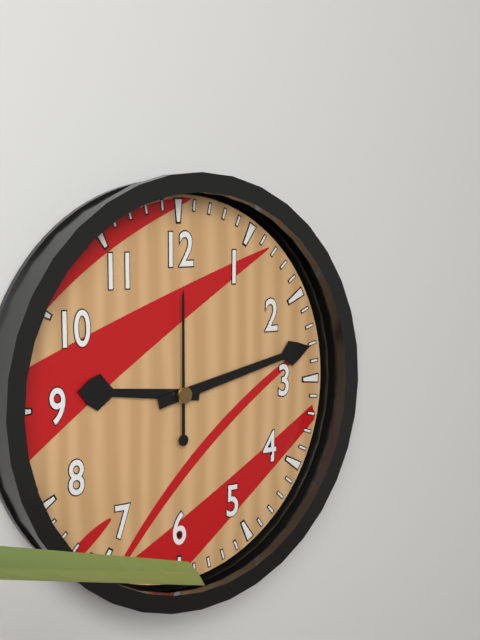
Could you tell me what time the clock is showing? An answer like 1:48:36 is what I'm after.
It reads 9:13:00
